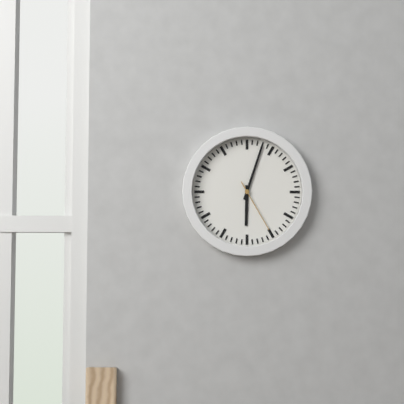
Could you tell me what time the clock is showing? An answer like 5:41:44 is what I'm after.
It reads 6:03:25
